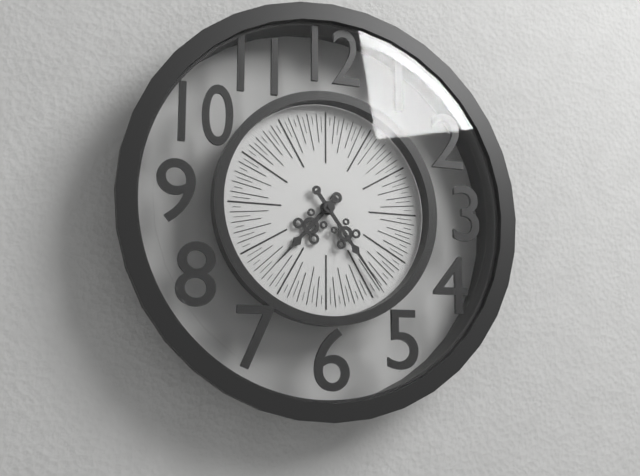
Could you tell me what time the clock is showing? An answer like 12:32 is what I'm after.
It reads 7:24
